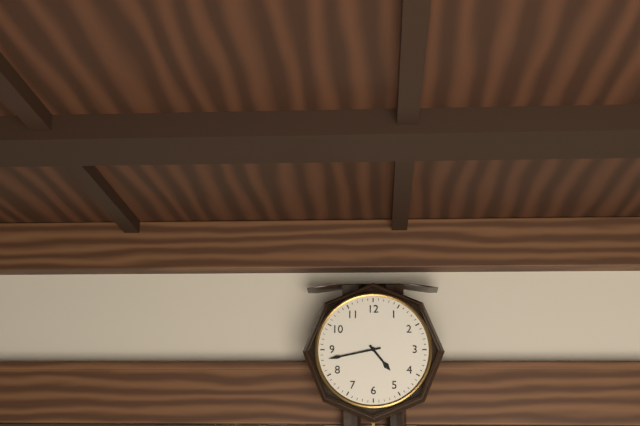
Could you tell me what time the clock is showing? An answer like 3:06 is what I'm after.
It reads 4:43
